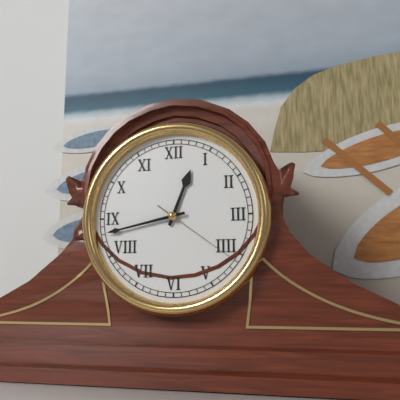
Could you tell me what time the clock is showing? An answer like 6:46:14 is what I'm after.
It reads 12:43:21
